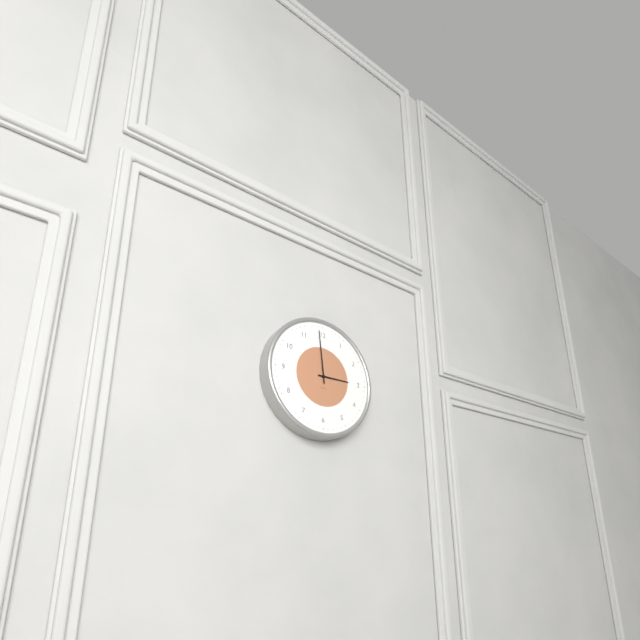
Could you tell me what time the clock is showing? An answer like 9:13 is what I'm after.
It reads 2:59
